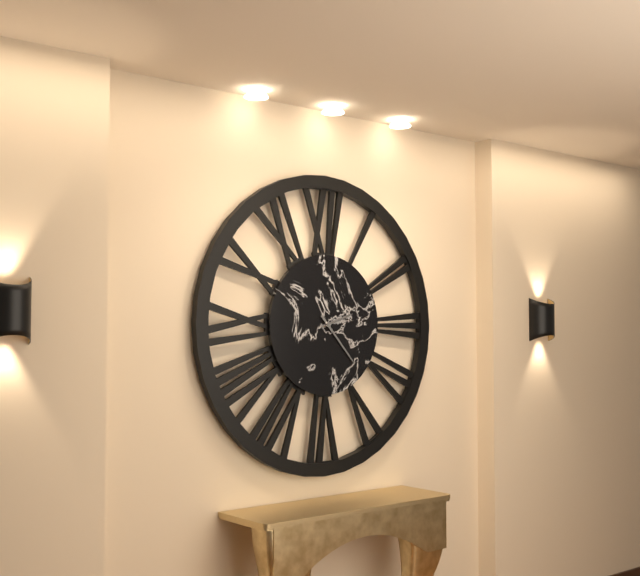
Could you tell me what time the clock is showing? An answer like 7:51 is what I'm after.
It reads 2:23
